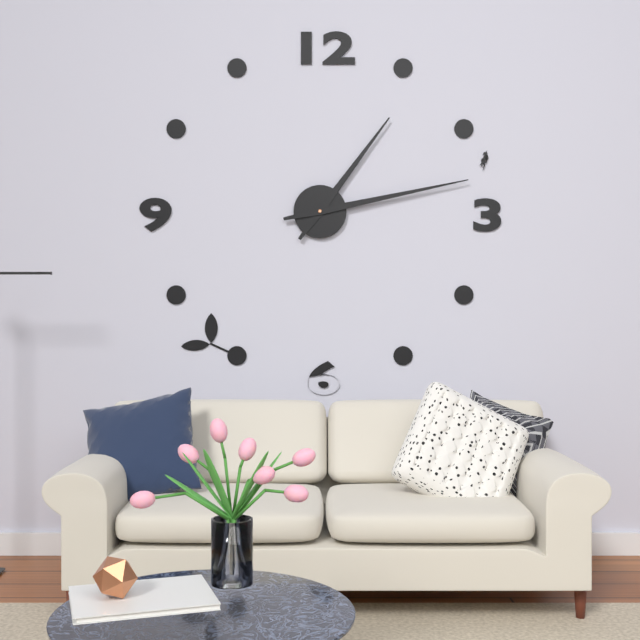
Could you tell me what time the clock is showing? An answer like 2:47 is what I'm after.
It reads 1:13
